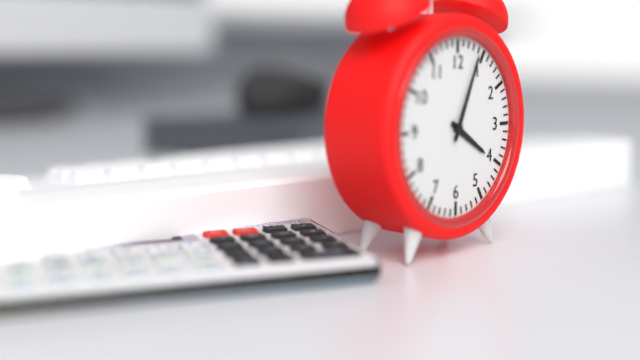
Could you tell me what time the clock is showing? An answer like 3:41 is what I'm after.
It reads 4:04
